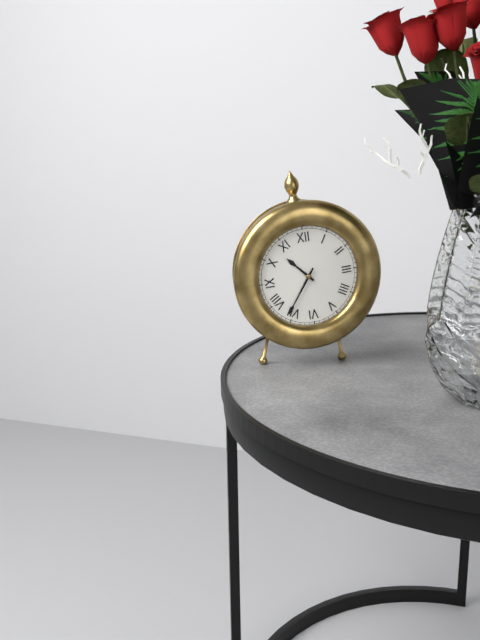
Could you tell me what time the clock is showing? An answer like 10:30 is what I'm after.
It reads 10:36
